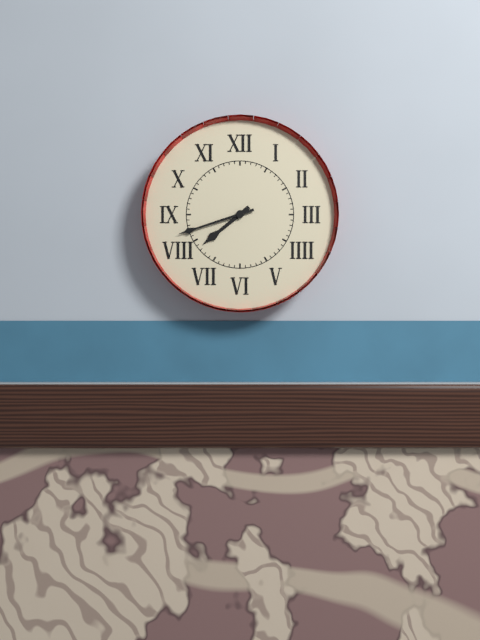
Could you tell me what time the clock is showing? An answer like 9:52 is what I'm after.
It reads 7:42
